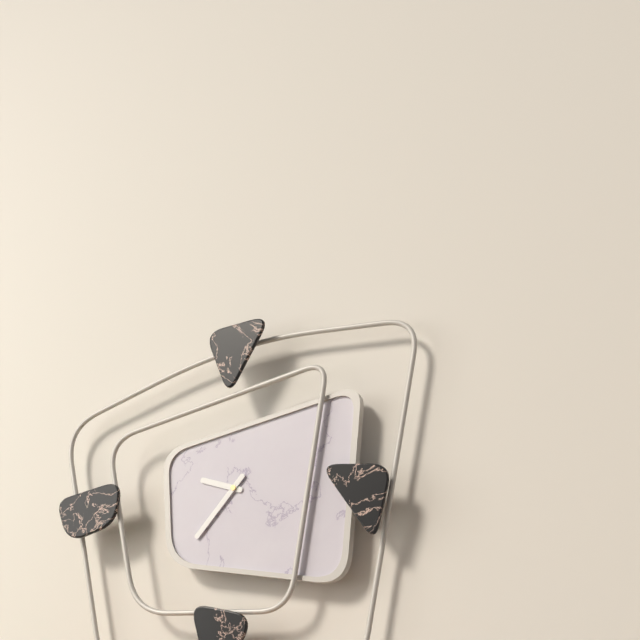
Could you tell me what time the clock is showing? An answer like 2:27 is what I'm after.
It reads 9:37
